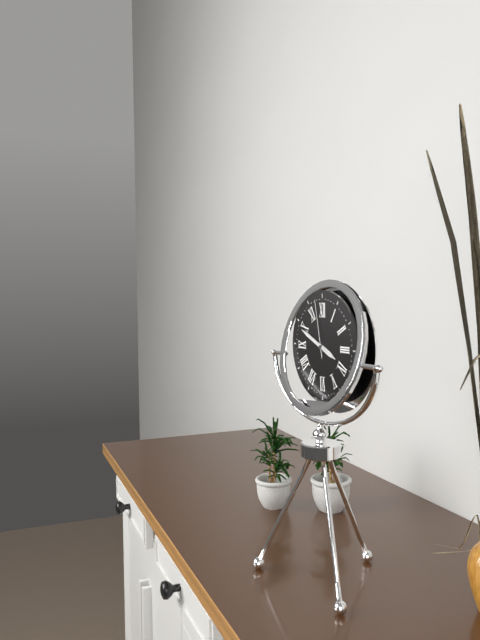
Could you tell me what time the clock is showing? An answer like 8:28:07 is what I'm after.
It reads 3:49:58
